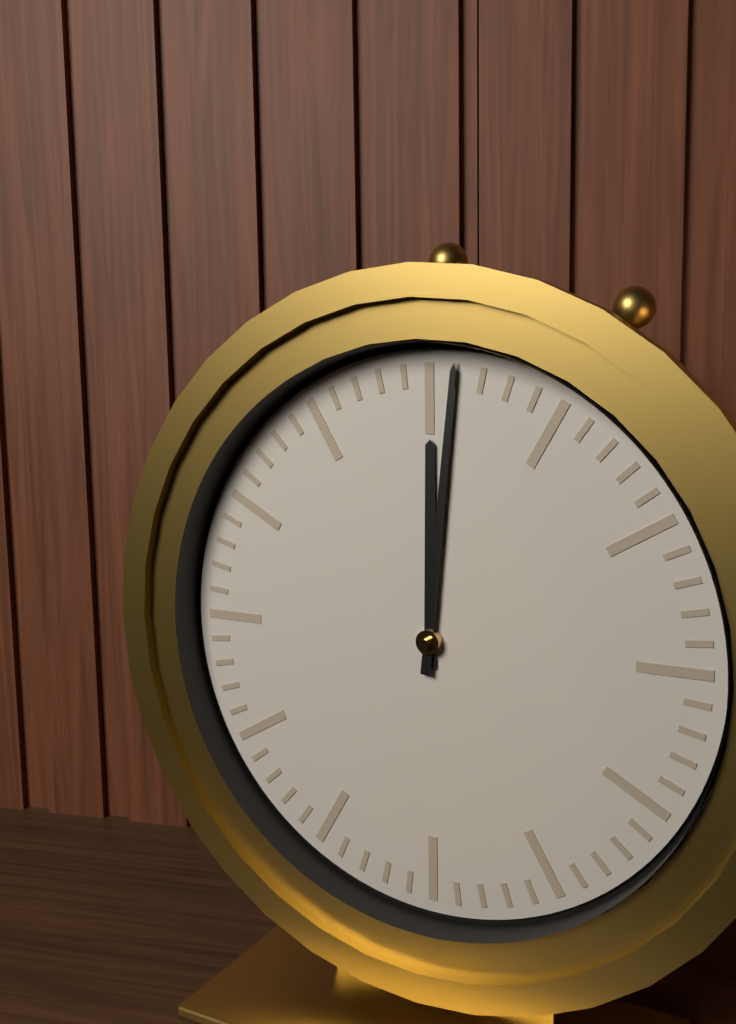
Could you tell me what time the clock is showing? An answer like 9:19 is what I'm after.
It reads 12:01
